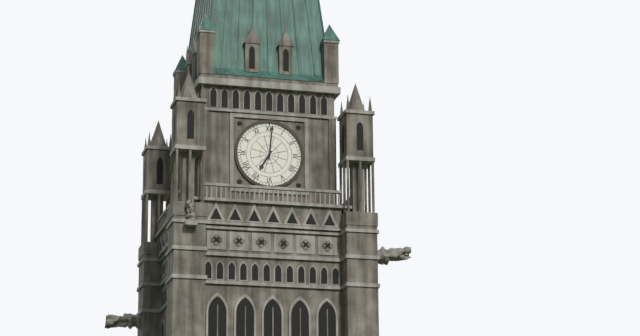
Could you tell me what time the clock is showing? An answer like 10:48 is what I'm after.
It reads 7:01
